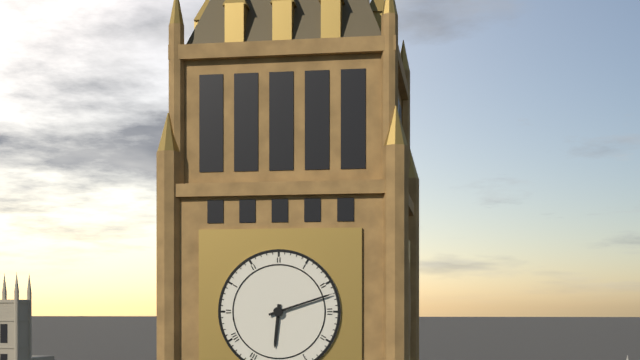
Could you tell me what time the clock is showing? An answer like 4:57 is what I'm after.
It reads 6:12
